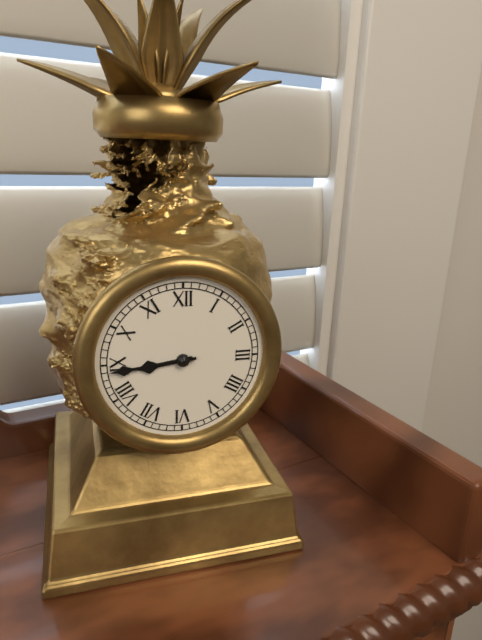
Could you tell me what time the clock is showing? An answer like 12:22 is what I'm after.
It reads 8:44
